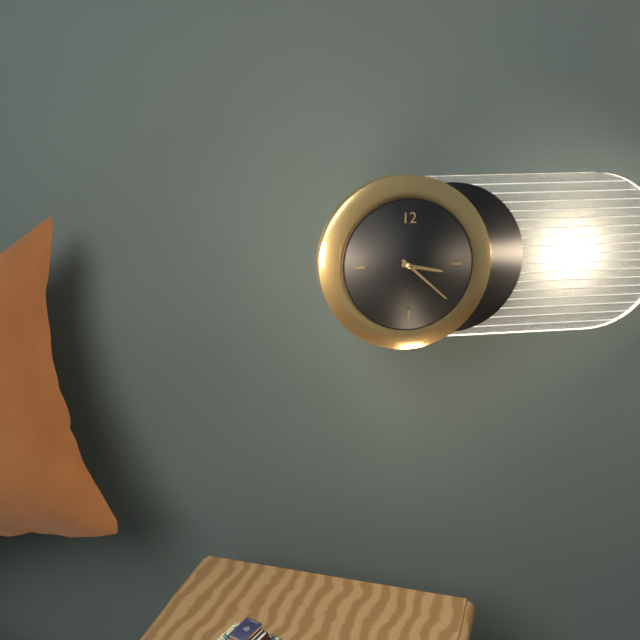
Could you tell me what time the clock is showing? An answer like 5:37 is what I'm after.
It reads 3:22
